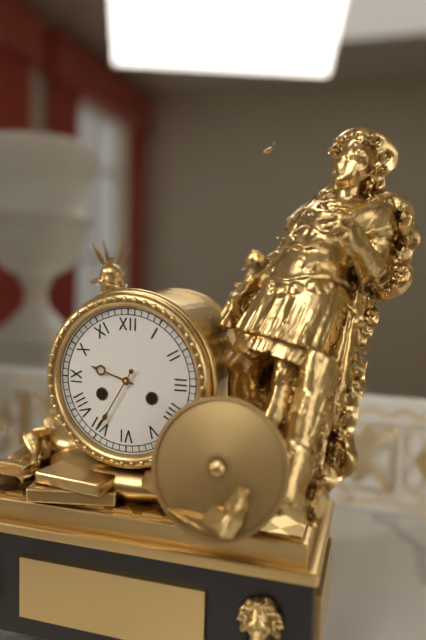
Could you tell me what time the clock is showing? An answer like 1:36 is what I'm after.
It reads 9:35
